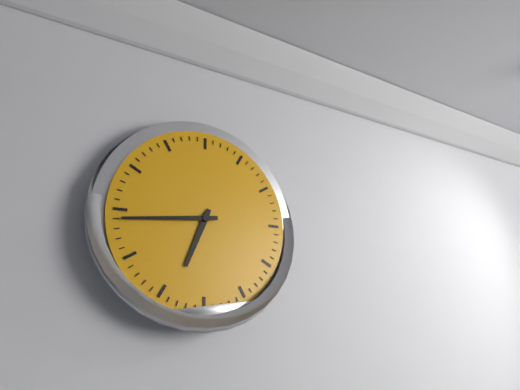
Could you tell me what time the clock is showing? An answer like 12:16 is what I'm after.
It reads 6:44
